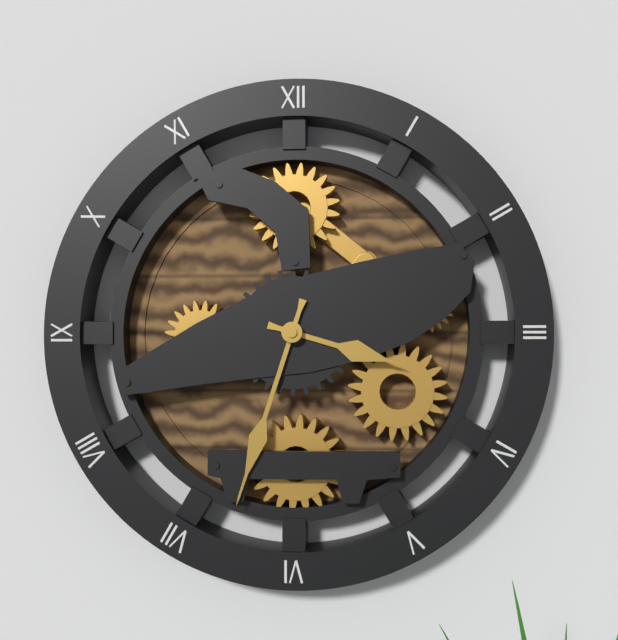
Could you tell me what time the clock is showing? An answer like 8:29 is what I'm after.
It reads 3:33
